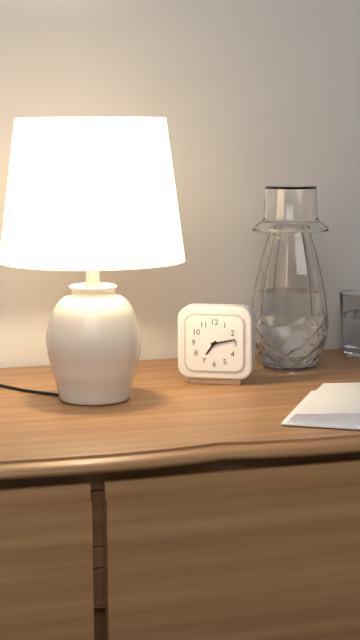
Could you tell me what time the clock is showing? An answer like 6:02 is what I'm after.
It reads 7:13
